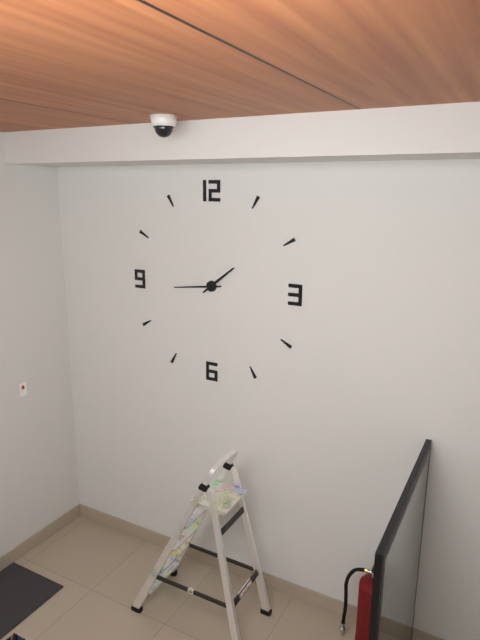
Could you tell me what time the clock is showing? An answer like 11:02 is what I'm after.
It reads 1:44
